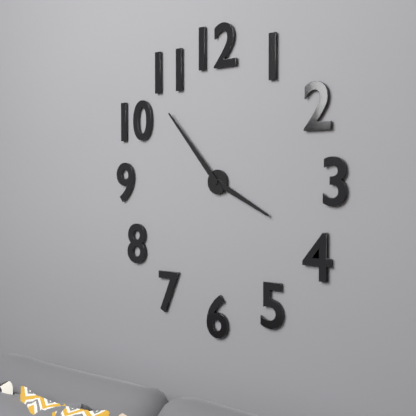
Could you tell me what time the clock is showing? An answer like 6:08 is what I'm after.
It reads 3:53
